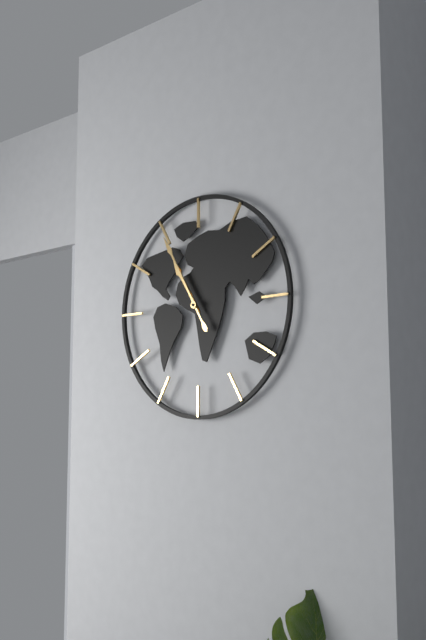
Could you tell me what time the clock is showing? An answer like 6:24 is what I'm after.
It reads 10:55
